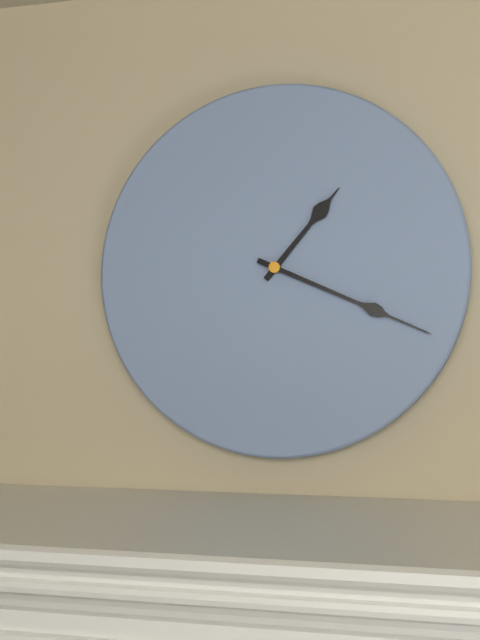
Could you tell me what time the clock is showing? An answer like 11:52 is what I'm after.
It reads 1:19
